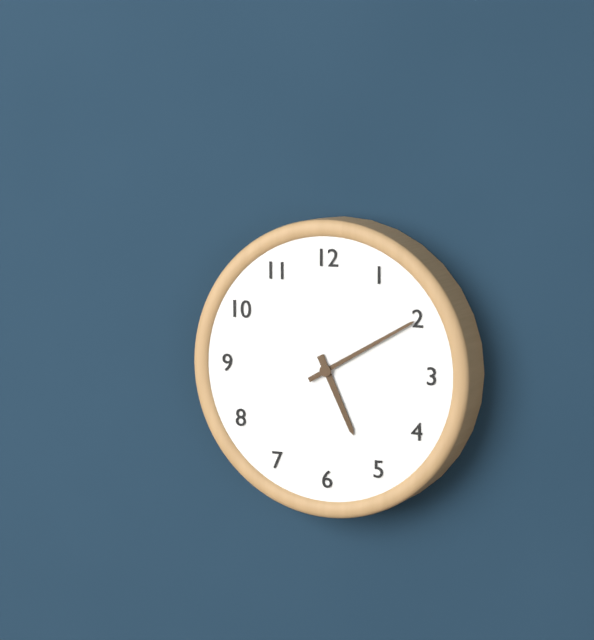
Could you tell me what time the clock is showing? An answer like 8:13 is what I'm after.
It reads 5:10
